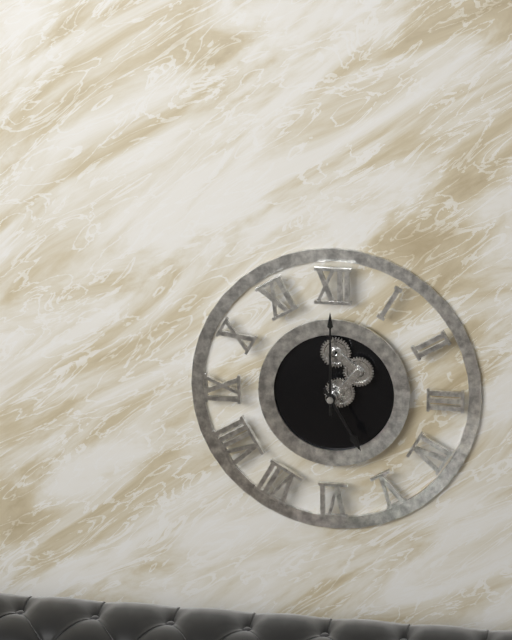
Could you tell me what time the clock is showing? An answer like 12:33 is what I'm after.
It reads 5:00
